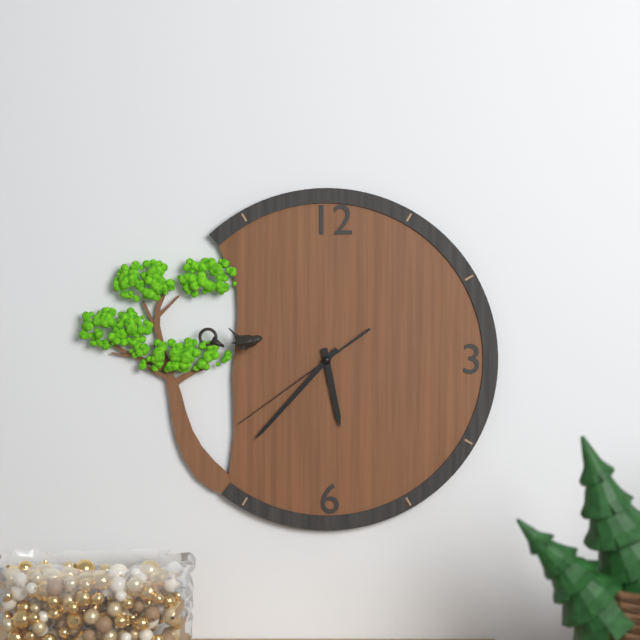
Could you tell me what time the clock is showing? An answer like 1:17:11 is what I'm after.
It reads 5:37:39
